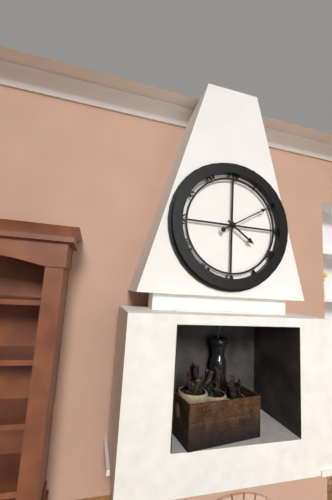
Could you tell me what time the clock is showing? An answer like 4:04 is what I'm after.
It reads 4:10
